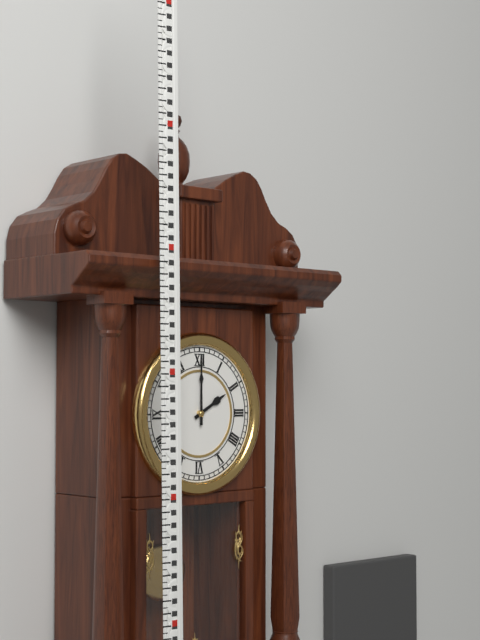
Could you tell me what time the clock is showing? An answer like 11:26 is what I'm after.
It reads 2:00
